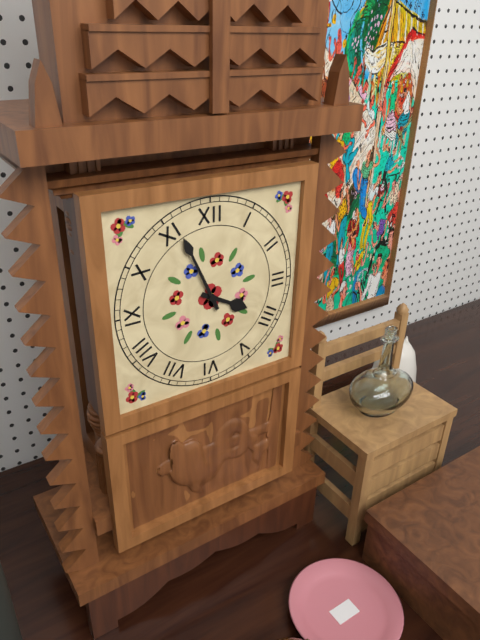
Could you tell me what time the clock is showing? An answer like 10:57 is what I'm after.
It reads 3:56
